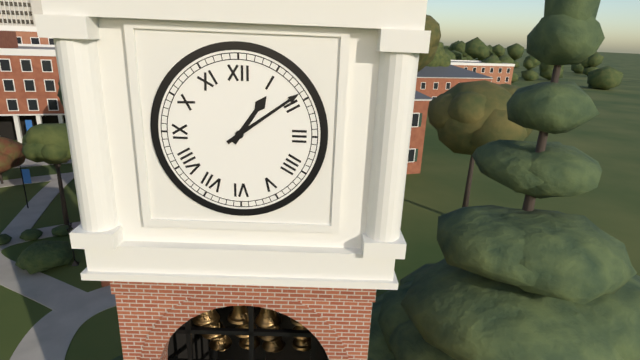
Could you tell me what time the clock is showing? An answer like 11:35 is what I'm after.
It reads 1:09
